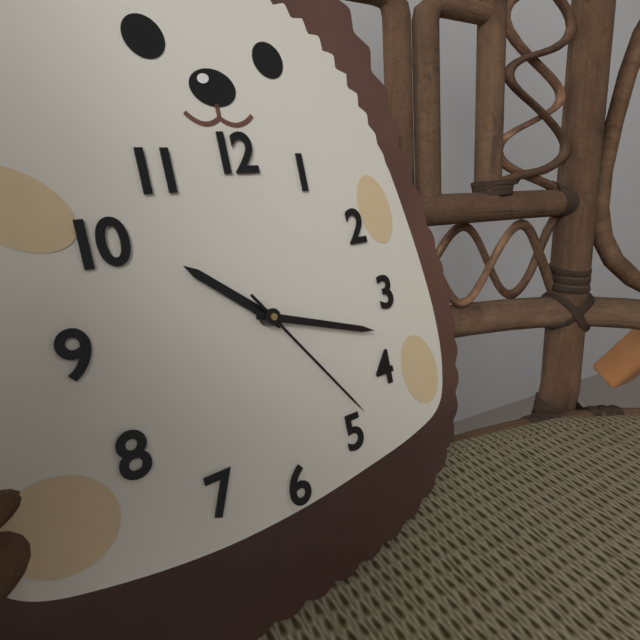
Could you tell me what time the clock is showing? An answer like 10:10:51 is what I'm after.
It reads 10:18:24
